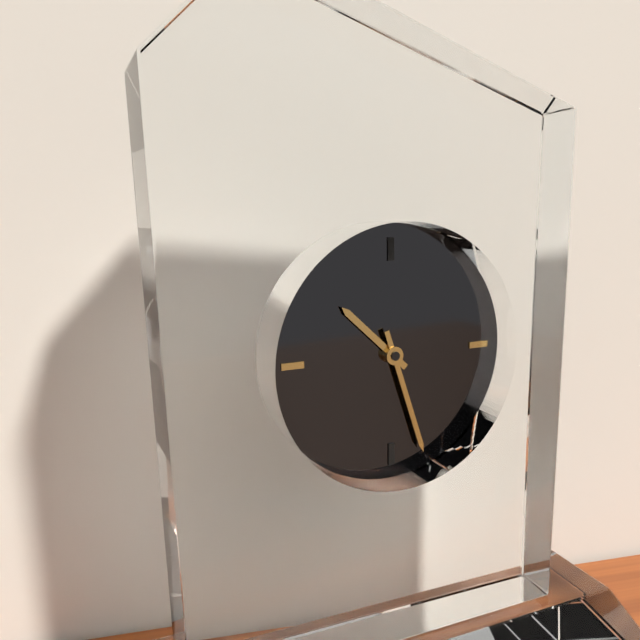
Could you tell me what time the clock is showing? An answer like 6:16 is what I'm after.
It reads 10:27
